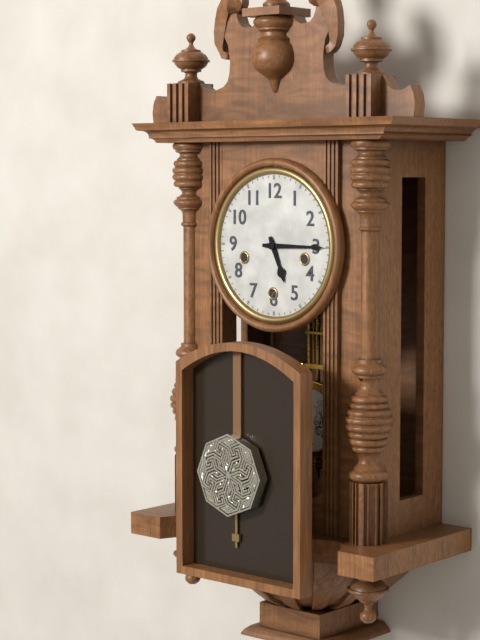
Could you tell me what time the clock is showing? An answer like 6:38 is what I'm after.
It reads 5:15
